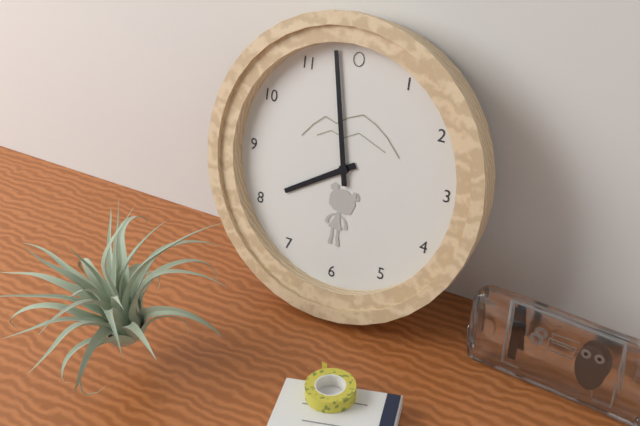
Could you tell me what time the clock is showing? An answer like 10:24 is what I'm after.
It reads 7:58
